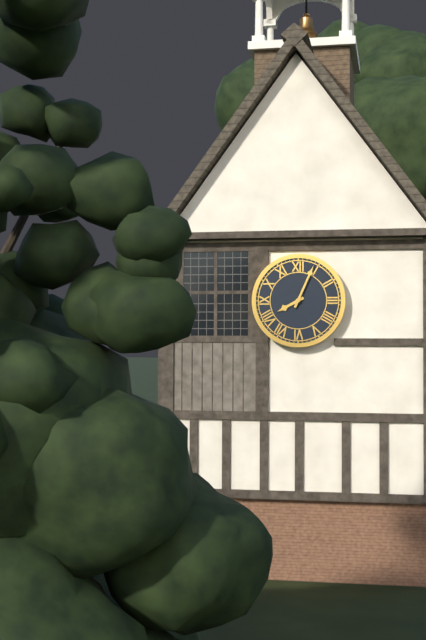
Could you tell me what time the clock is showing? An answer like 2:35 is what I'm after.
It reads 8:04
